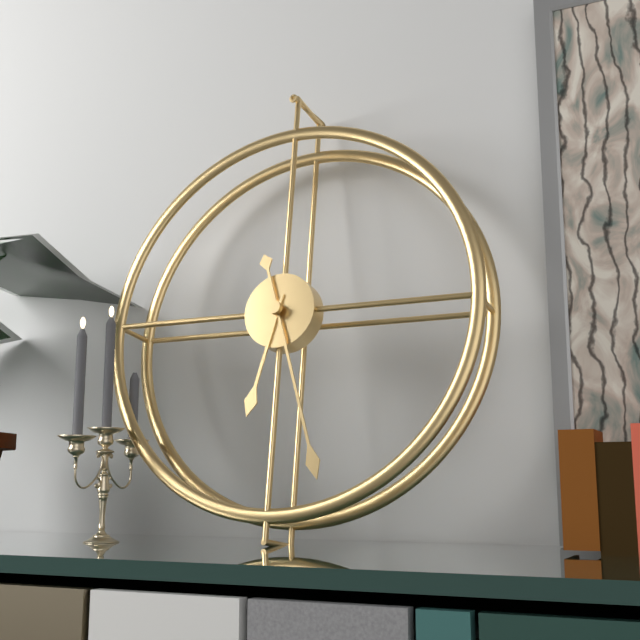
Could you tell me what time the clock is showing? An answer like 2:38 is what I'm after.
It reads 6:27
